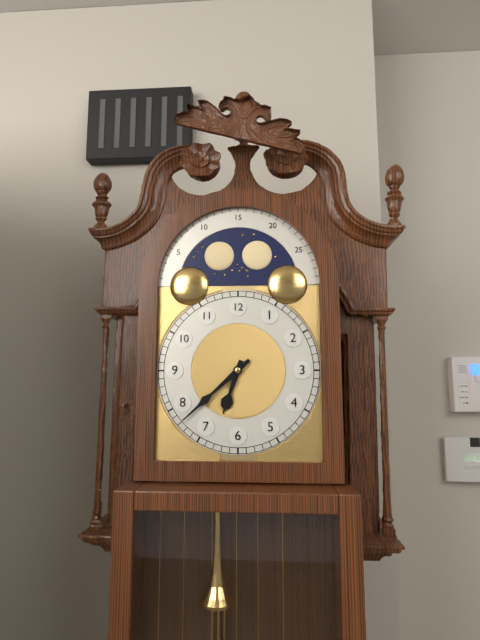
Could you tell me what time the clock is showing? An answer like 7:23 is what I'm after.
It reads 6:38
